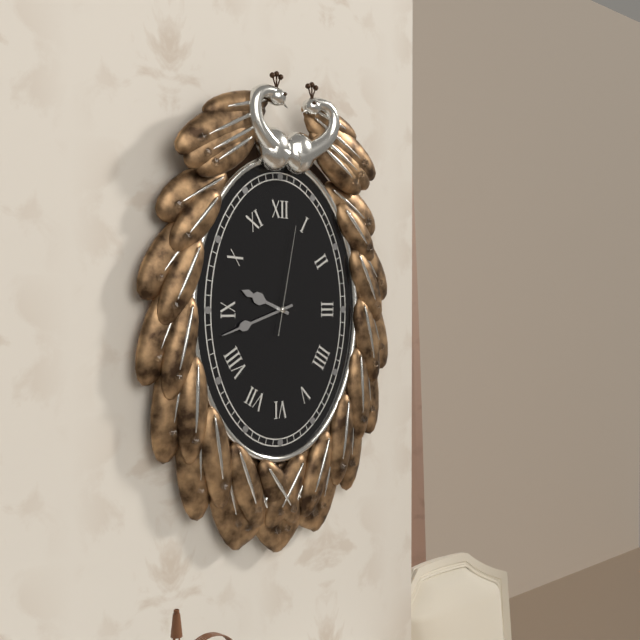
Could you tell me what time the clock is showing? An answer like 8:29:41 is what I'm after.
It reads 9:42:02
